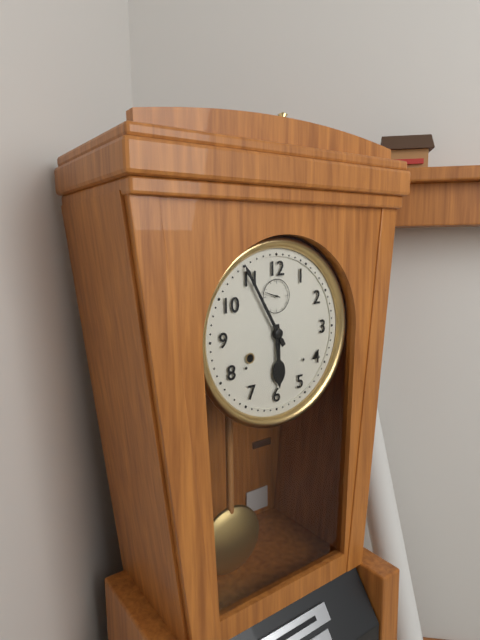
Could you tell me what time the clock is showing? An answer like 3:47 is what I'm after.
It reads 5:55
